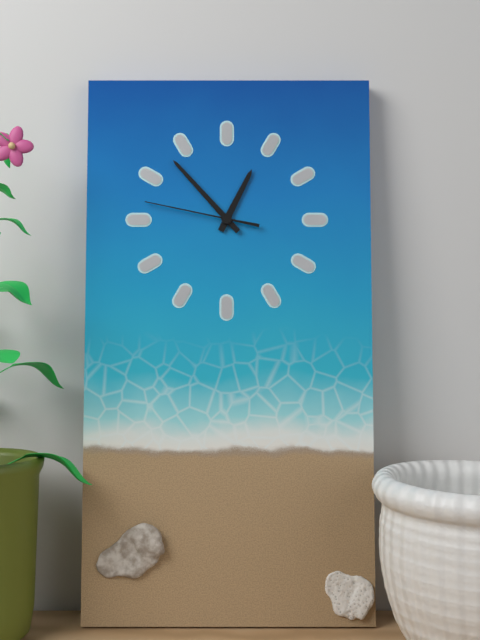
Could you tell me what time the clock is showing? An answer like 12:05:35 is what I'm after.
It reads 12:53:47
